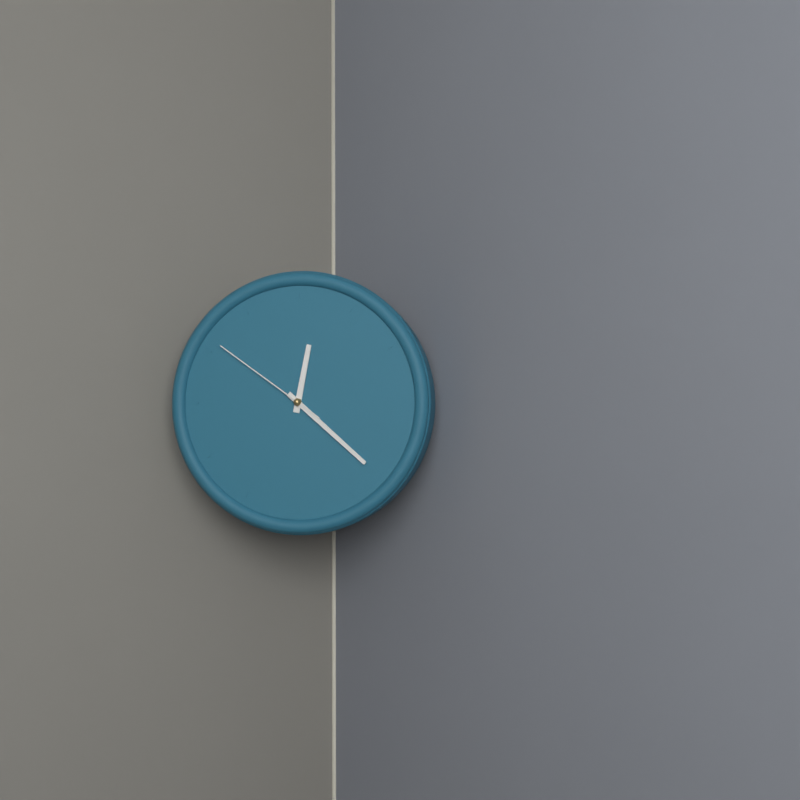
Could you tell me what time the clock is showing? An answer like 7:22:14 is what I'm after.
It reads 12:22:51
